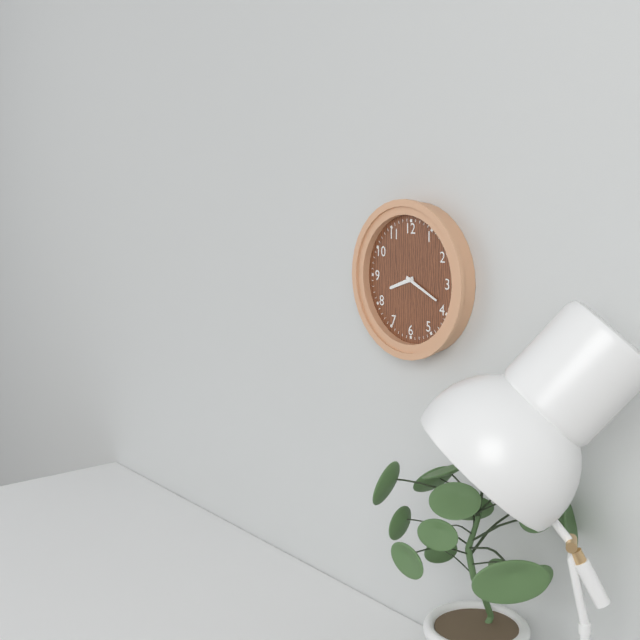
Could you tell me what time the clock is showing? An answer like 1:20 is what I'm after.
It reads 8:19
